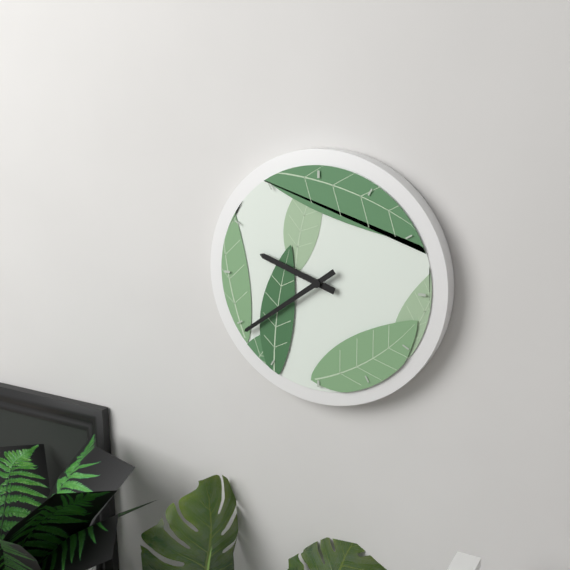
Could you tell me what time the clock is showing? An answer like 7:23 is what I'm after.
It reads 9:39
